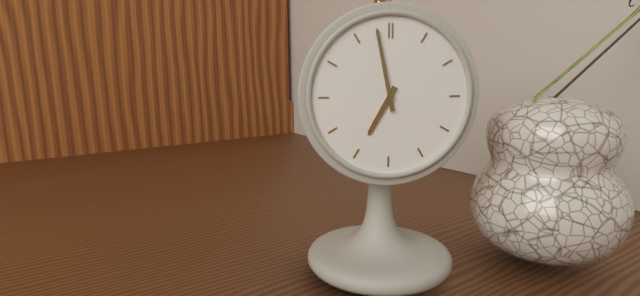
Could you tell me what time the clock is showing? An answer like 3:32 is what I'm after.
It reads 6:58
